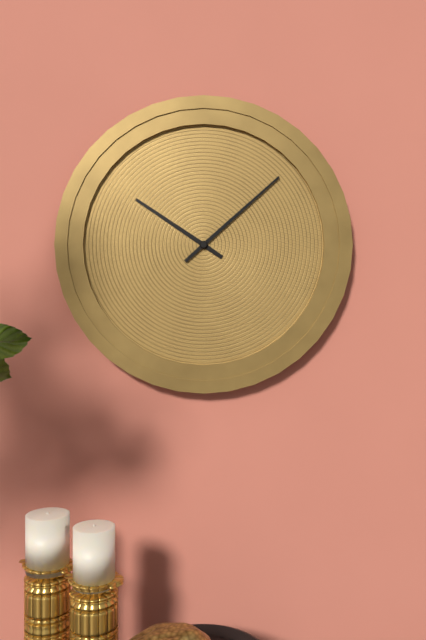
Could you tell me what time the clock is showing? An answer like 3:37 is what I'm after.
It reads 10:08
